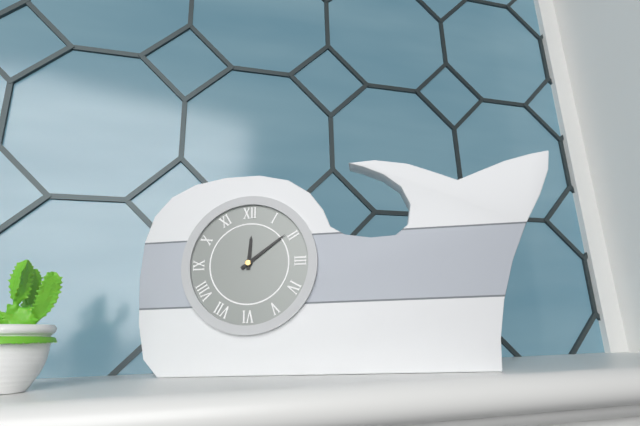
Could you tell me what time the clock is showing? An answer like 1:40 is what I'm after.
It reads 12:09
